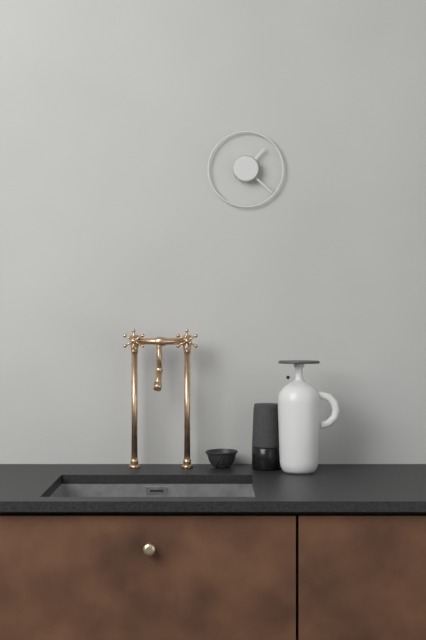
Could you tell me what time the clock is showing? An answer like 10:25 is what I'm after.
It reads 1:22
